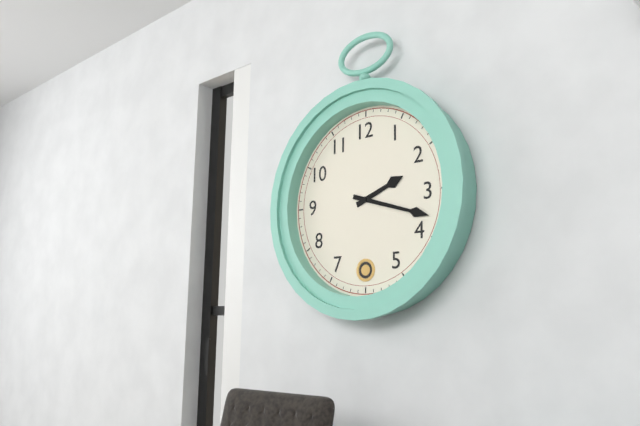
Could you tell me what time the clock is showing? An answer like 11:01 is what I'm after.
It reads 2:18
